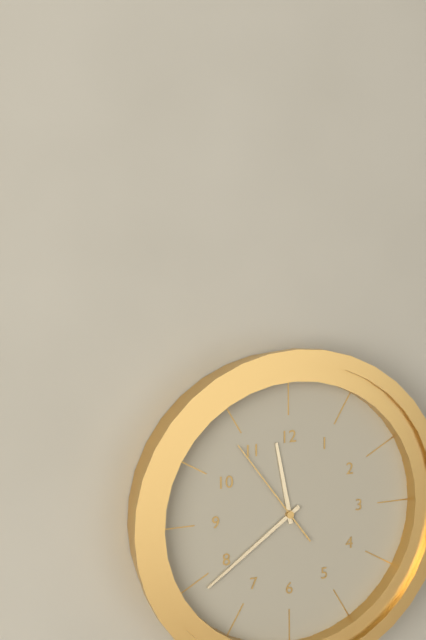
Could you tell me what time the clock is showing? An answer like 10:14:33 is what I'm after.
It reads 11:39:54
